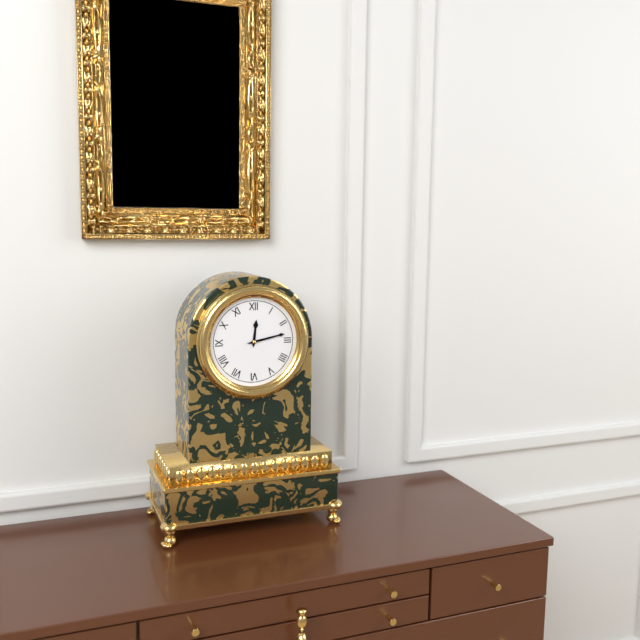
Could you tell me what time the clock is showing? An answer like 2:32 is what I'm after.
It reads 12:13
